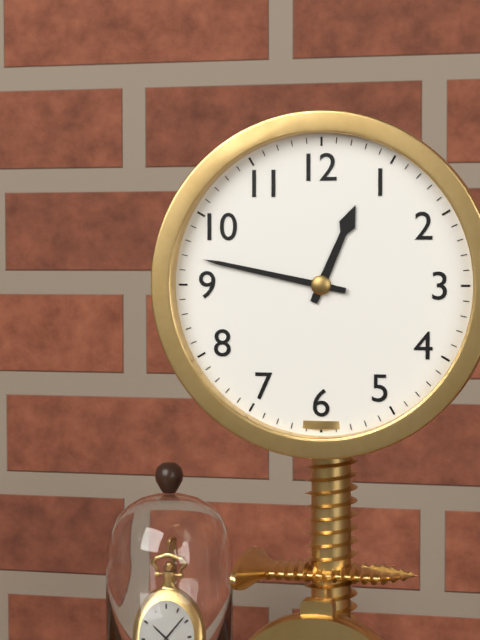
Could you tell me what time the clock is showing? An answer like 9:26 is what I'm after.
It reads 12:47
